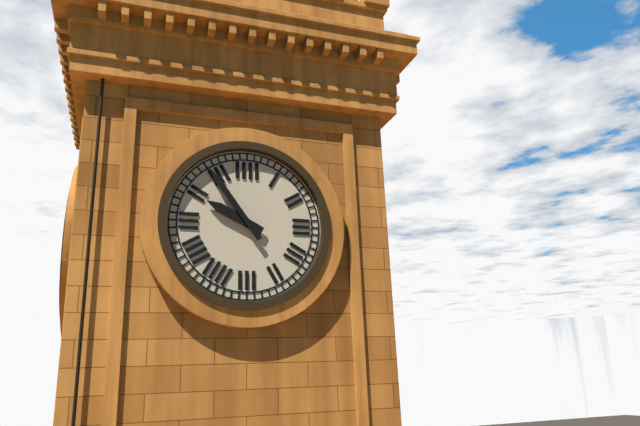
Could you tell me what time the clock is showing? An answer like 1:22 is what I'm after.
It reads 9:54
